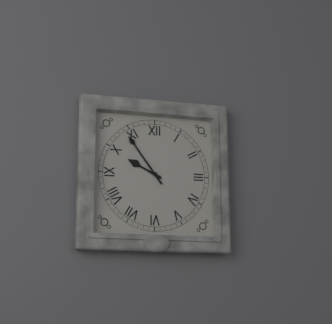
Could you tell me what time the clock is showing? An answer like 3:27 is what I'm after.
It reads 9:54
